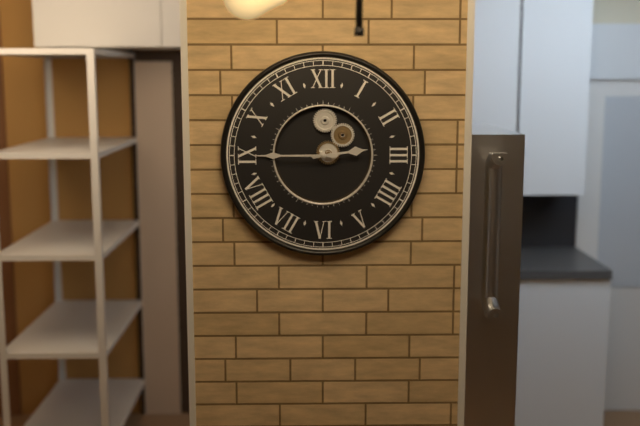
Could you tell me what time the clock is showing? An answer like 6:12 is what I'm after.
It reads 2:45
